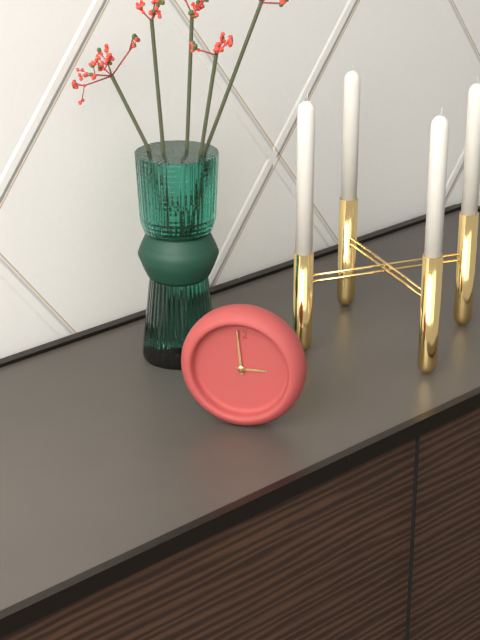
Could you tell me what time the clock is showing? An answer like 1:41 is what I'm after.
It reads 2:59
